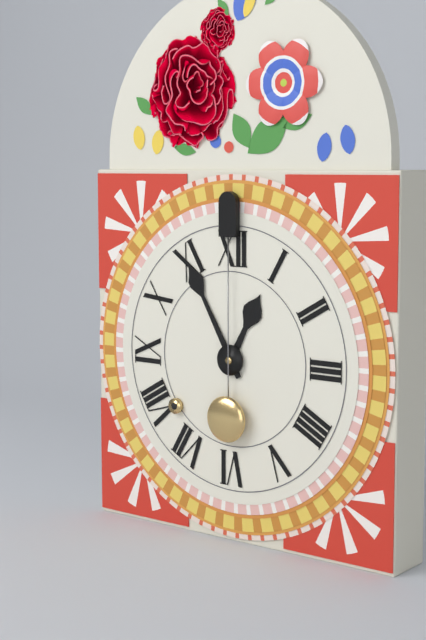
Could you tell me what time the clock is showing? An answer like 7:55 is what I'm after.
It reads 12:55
